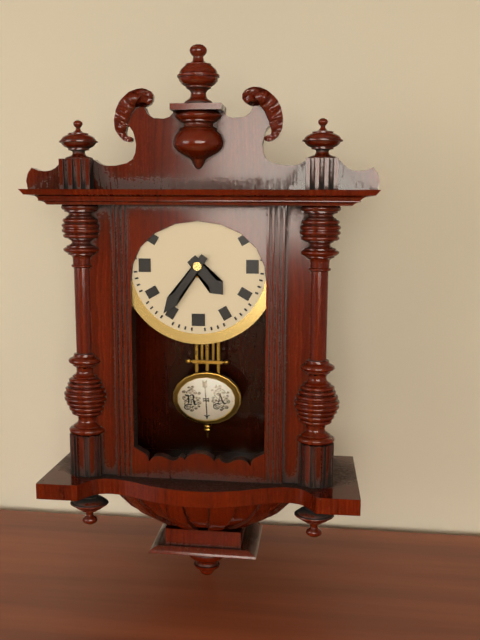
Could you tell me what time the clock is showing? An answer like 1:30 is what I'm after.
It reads 4:36
